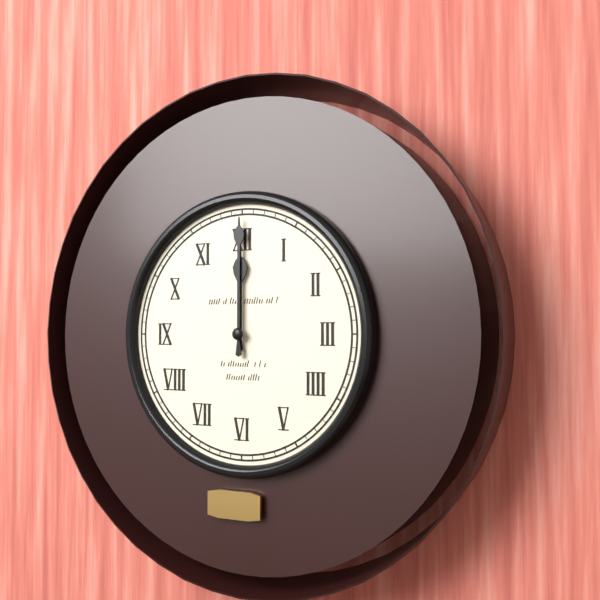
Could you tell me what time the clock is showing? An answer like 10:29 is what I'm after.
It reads 12:00
